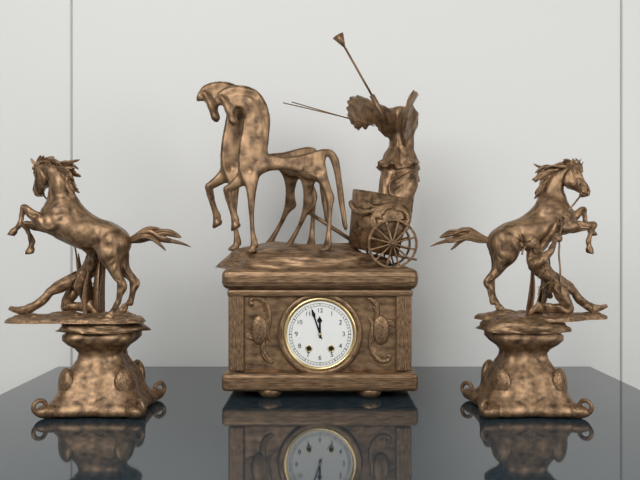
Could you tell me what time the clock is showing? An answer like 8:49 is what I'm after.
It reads 11:57
